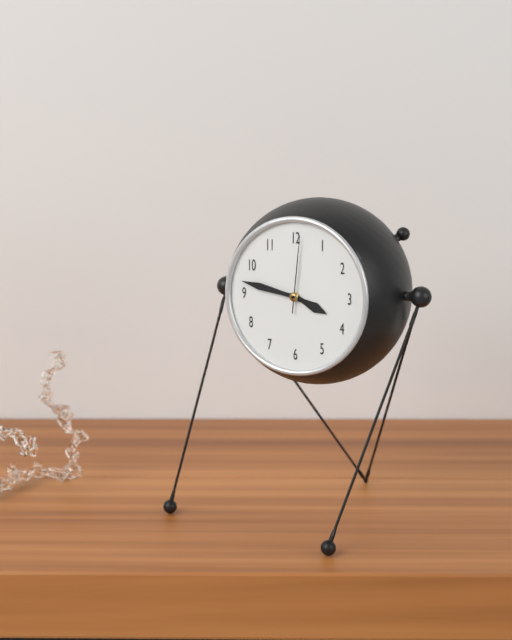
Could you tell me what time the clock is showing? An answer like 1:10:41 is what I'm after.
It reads 3:47:01
